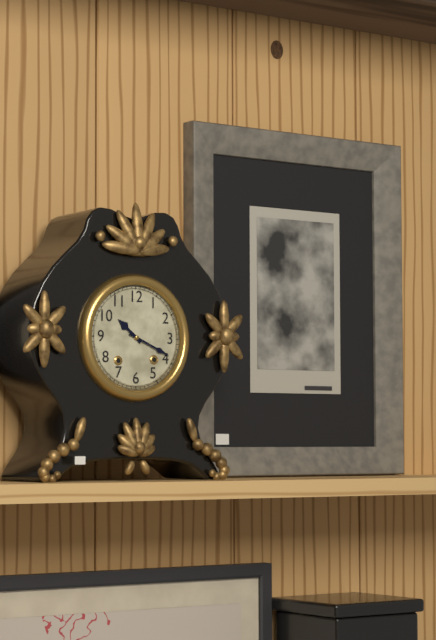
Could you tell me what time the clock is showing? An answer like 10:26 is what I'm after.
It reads 10:19
